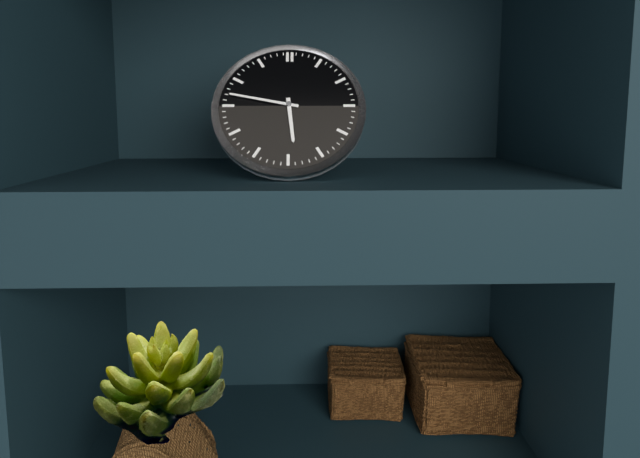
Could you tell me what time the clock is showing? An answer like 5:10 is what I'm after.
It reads 5:47
